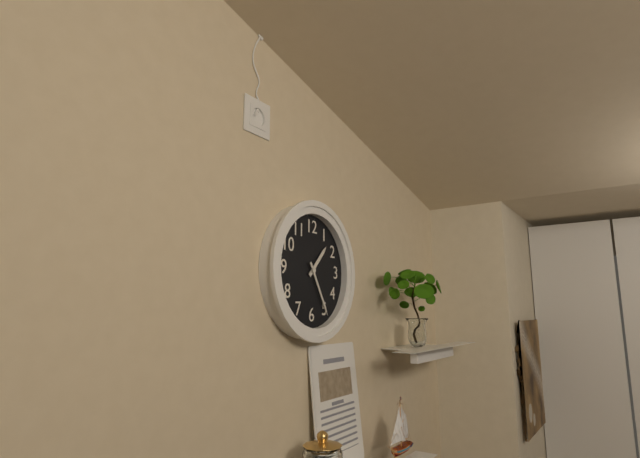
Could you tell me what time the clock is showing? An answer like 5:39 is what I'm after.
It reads 1:25
